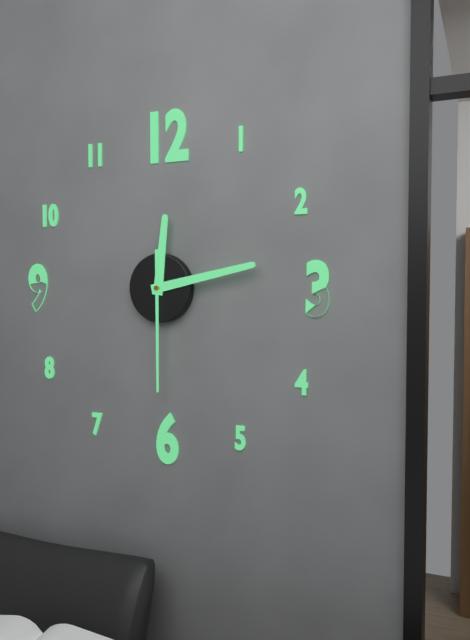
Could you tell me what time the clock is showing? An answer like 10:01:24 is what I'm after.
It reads 12:13:30
